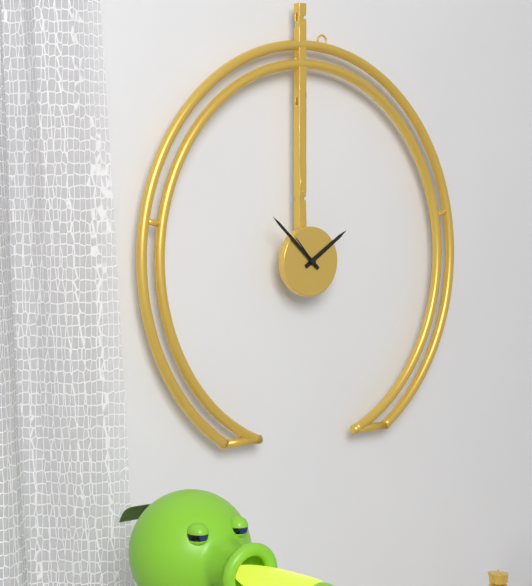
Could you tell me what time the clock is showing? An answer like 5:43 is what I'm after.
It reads 1:52
